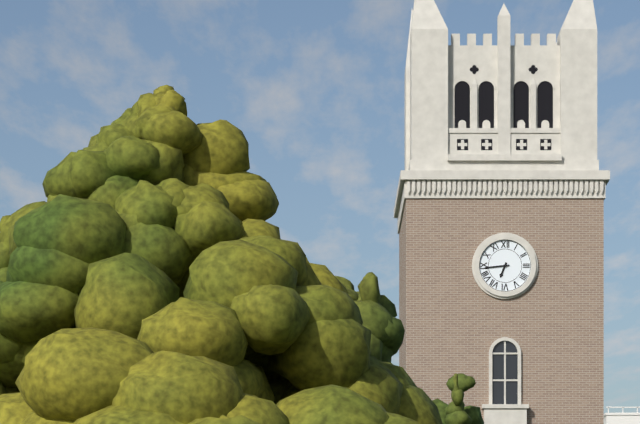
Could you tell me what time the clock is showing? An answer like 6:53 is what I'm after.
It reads 6:44
